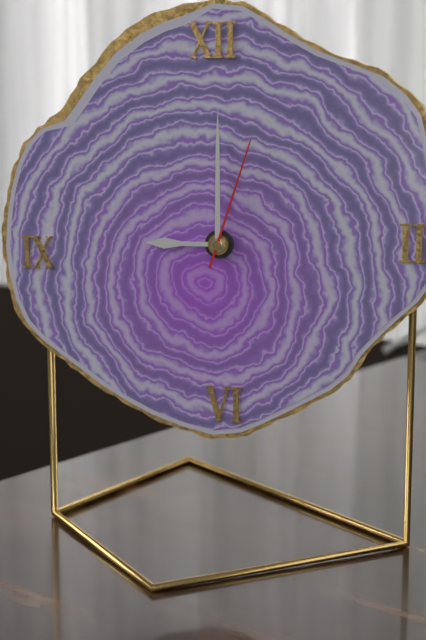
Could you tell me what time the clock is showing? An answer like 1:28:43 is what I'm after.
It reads 9:00:03
